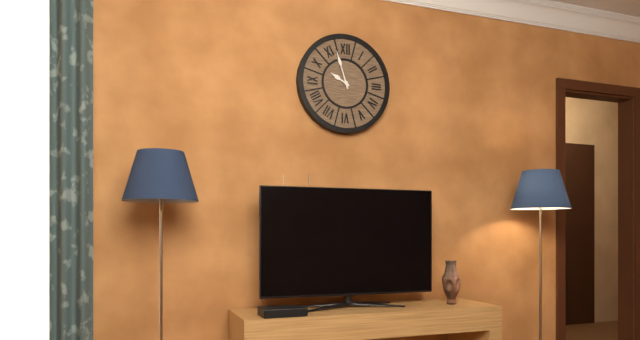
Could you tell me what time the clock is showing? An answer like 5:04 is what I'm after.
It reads 9:57
